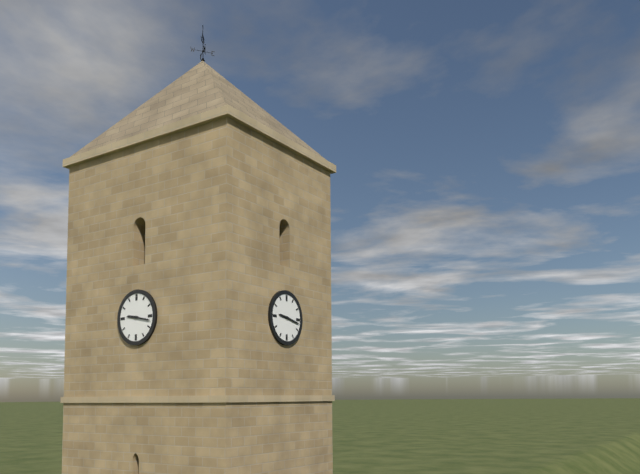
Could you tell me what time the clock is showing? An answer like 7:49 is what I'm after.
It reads 9:17
